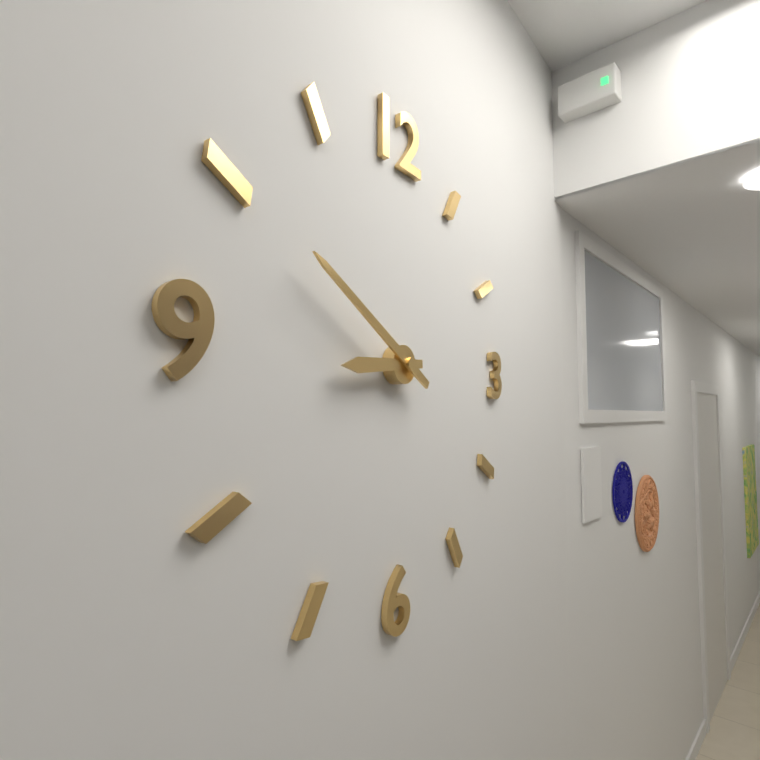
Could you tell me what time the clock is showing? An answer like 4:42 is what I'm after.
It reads 8:50
